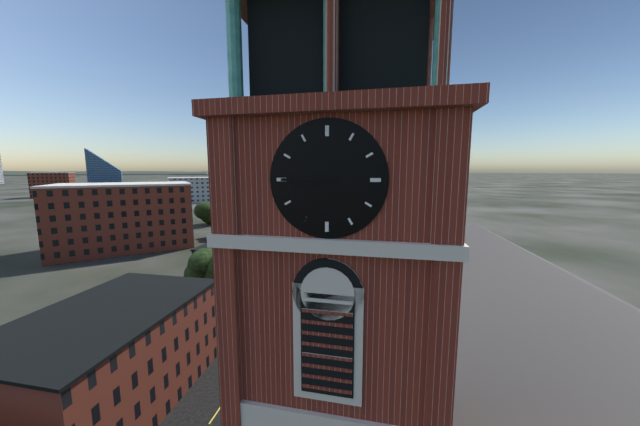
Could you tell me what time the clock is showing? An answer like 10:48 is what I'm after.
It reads 8:45
